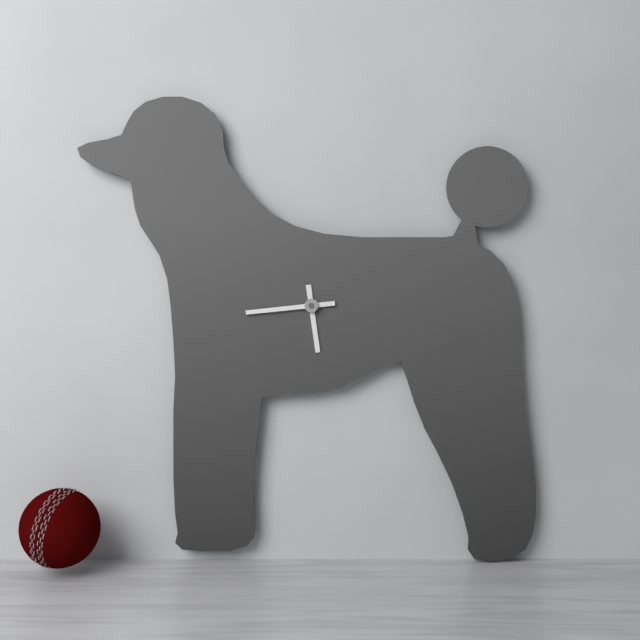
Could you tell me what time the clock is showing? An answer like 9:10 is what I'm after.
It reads 5:44
